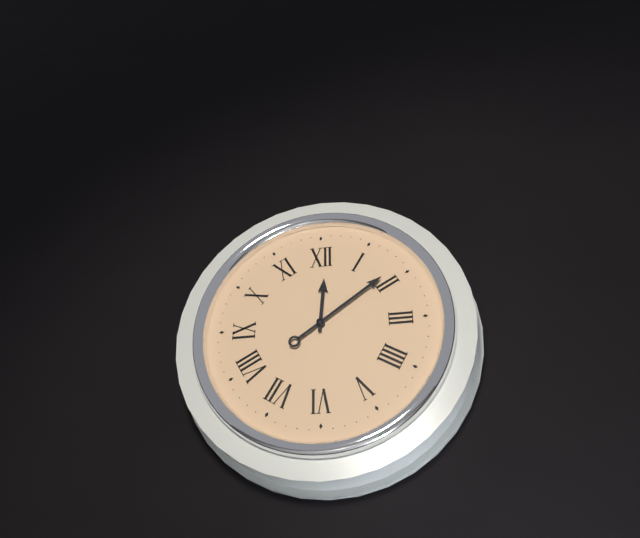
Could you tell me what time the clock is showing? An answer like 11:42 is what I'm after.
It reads 12:09
